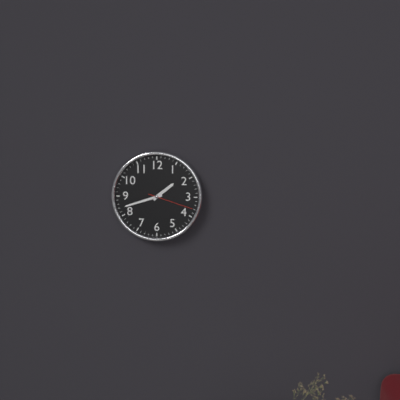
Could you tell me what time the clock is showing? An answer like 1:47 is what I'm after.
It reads 1:42
